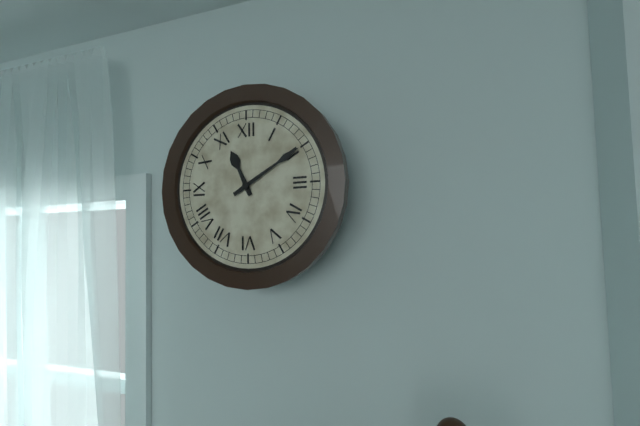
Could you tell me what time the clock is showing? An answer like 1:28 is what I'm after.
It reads 11:10
